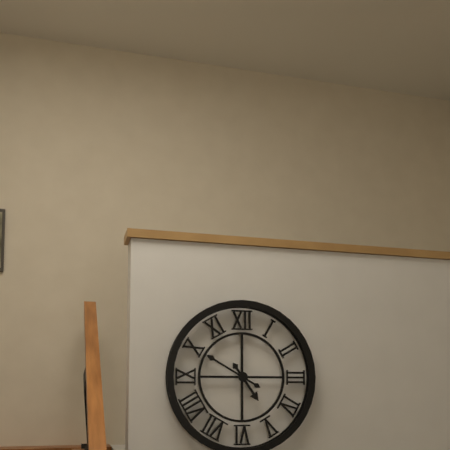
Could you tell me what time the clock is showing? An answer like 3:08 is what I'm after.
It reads 4:50
